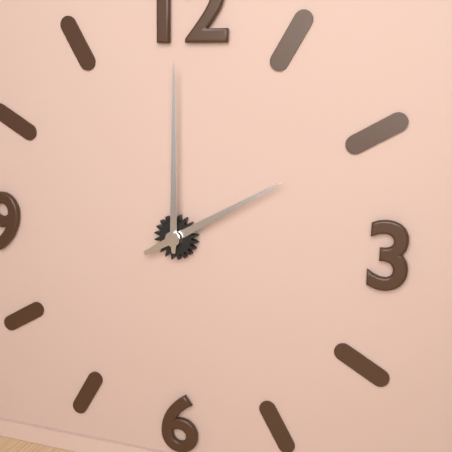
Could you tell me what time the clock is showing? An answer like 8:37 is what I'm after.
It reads 2:00
